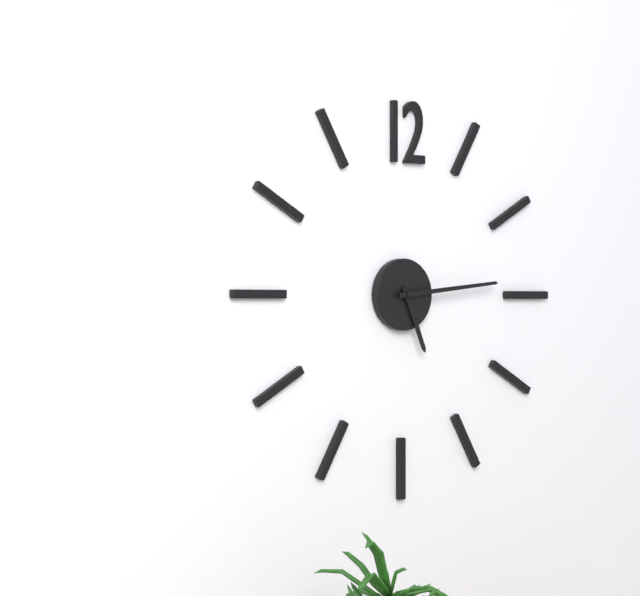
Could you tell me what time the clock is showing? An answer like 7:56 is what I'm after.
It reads 5:14
